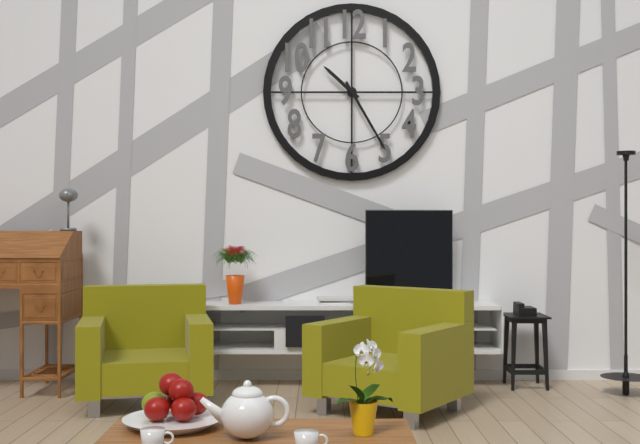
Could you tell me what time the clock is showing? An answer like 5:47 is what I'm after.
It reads 10:25
